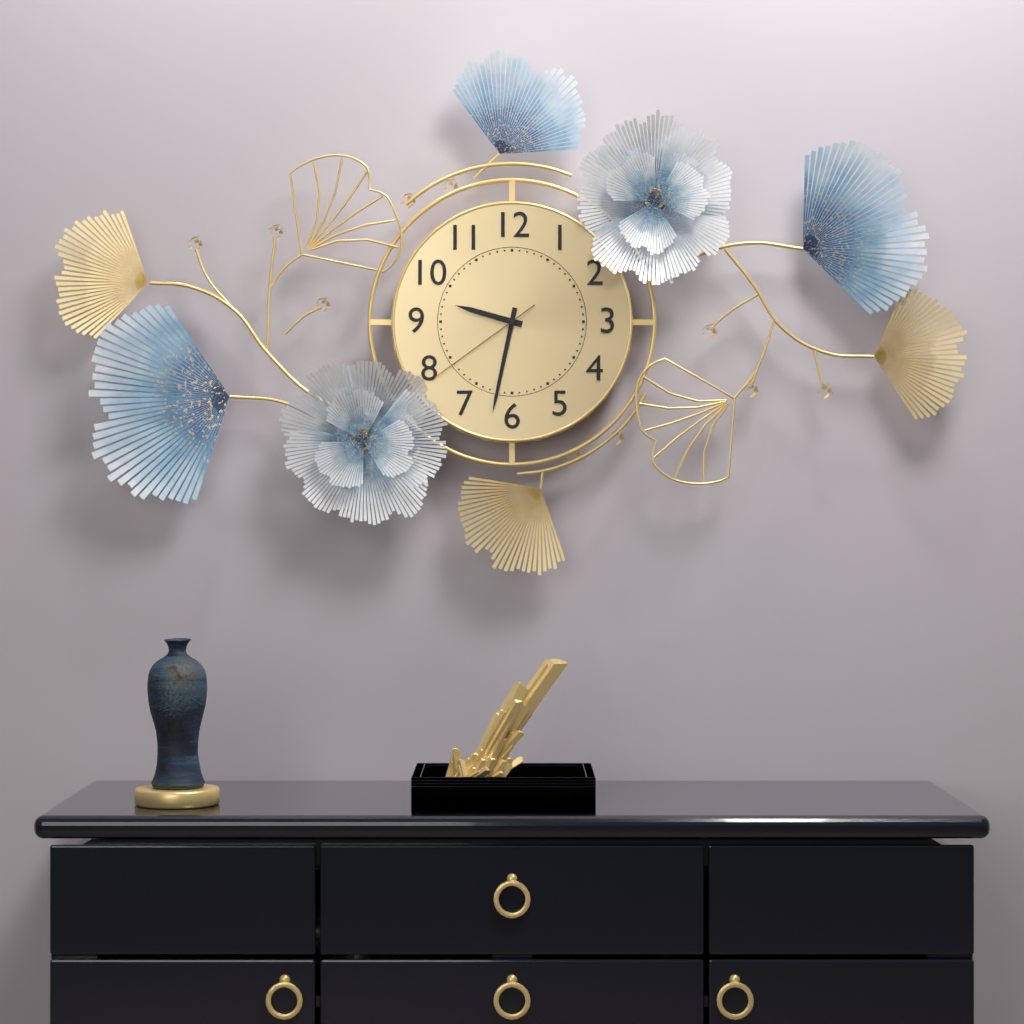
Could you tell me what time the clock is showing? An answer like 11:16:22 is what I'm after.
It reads 9:32:39
